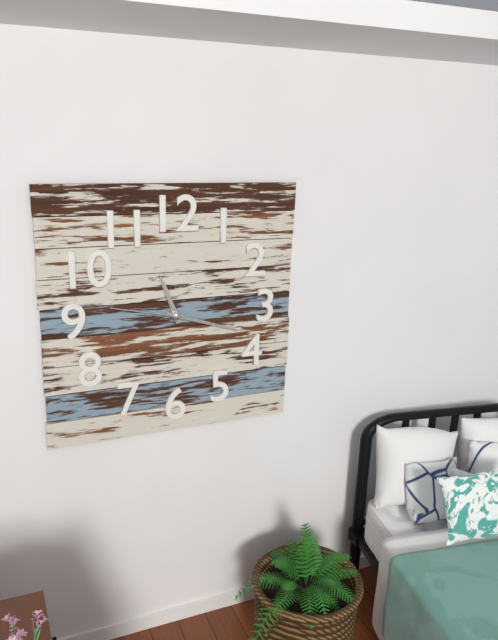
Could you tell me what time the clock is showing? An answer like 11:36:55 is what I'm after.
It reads 11:18:47
